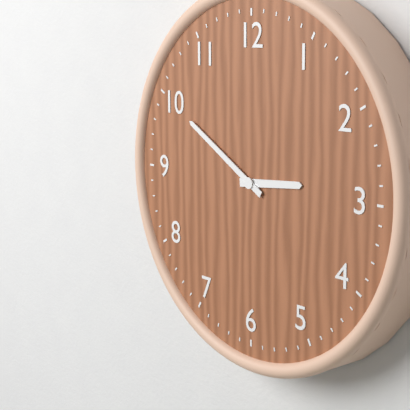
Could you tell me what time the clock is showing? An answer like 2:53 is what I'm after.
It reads 2:50
